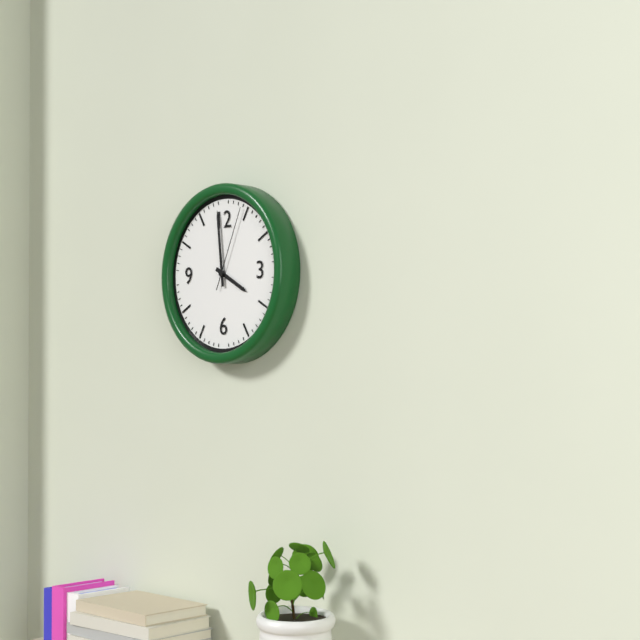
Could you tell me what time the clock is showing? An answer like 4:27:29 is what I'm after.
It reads 3:59:04
